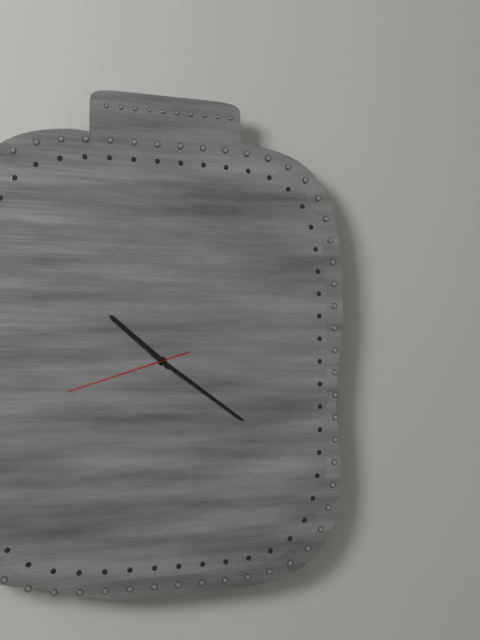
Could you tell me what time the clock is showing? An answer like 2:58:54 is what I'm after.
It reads 10:21:42
